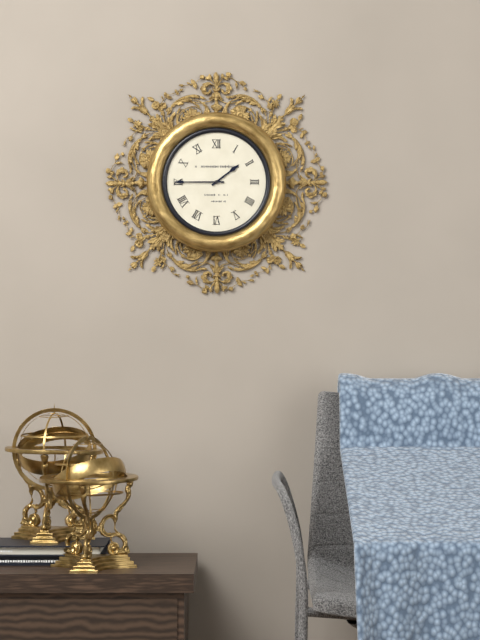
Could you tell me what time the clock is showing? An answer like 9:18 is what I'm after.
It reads 1:45
